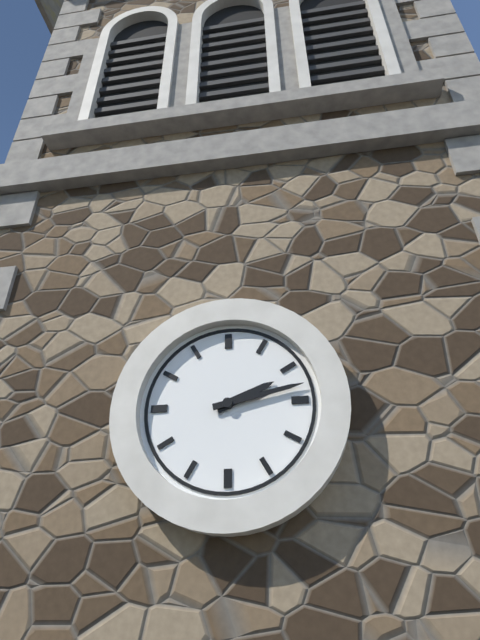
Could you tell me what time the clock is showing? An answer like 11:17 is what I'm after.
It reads 2:13
